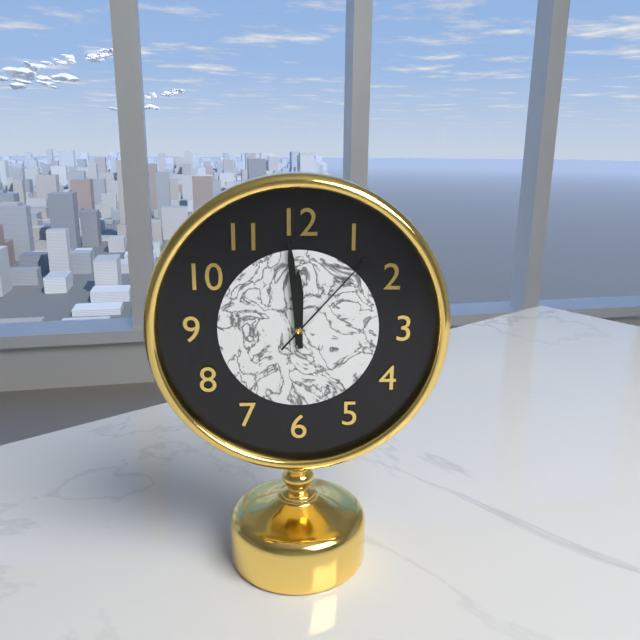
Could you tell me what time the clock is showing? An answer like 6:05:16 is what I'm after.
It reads 11:59:07
